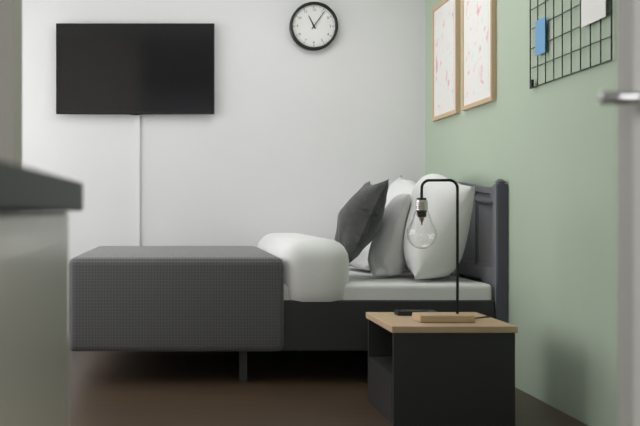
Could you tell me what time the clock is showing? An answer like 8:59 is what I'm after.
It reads 11:06
